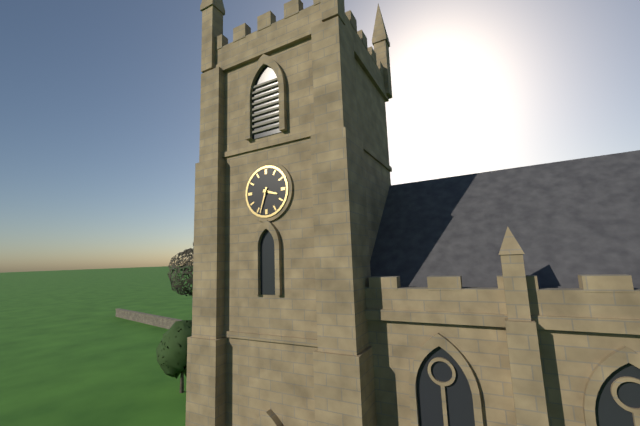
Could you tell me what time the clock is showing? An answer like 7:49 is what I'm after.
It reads 3:33
